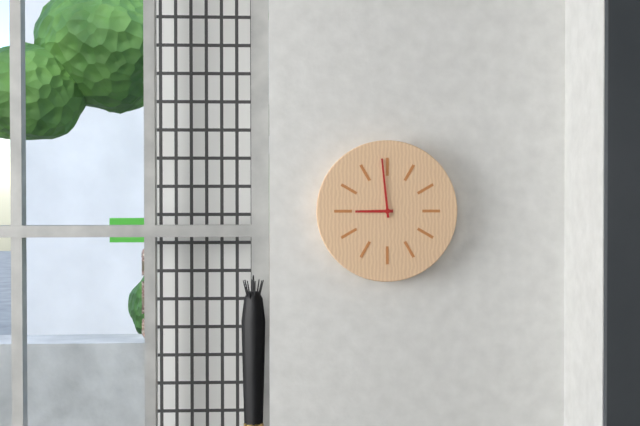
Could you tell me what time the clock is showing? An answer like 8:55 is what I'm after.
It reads 8:59
